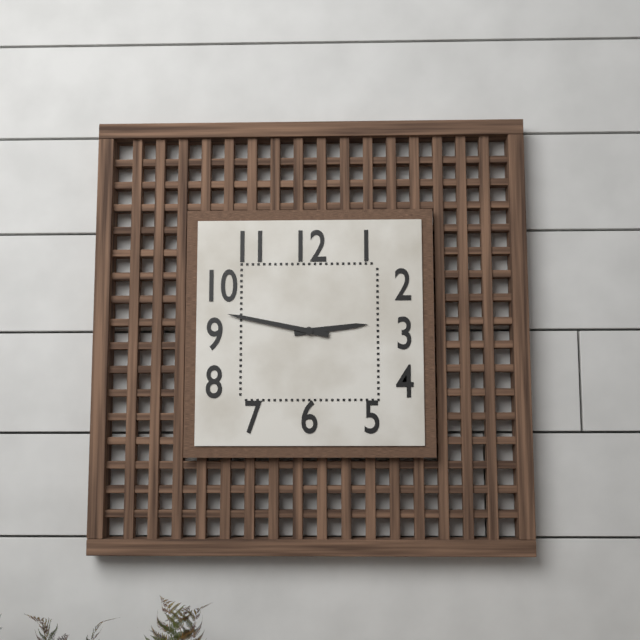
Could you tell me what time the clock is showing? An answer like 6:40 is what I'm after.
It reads 2:47
